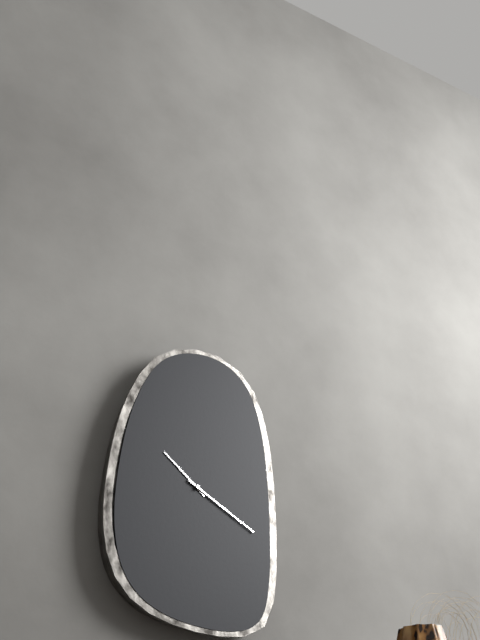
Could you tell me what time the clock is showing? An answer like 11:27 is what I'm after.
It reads 10:20
